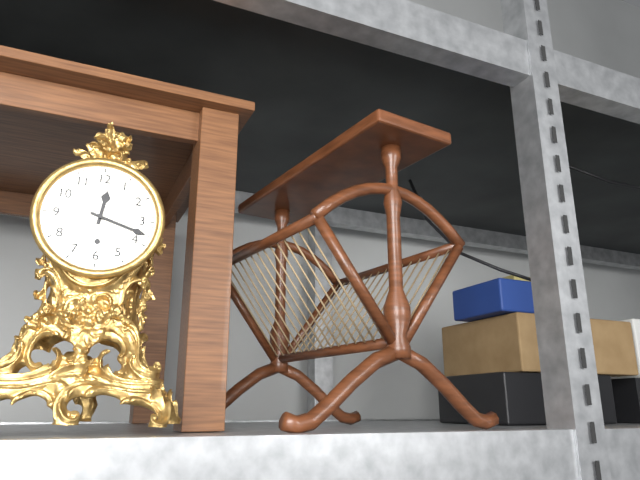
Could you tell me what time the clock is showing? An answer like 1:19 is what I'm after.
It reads 12:18
